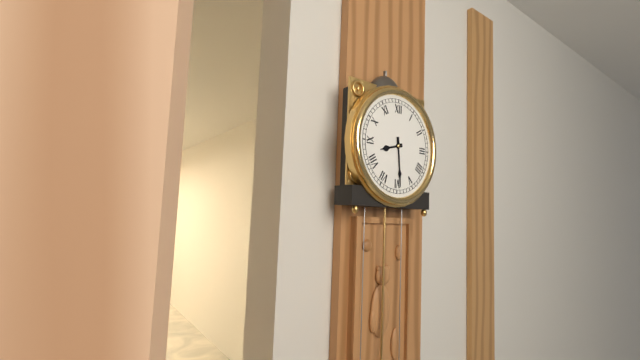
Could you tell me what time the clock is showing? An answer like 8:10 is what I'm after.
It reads 8:29
